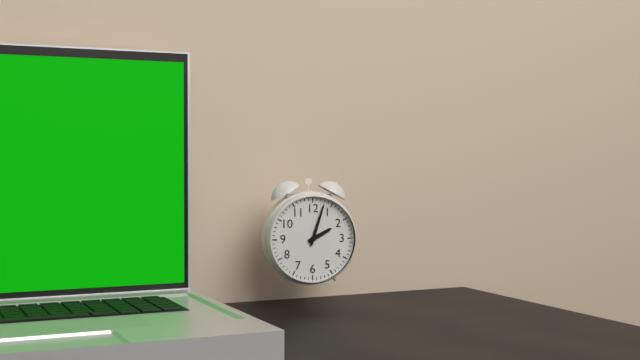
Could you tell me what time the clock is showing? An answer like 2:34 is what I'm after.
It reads 2:03
